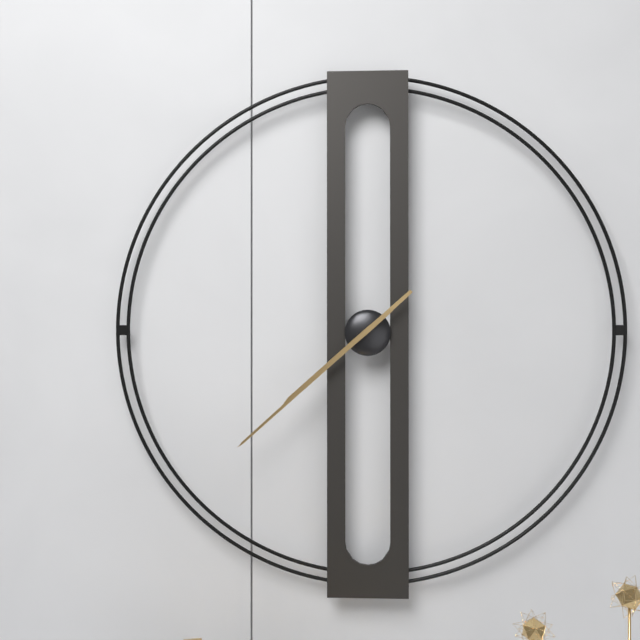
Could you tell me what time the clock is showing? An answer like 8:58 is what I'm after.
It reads 7:38
